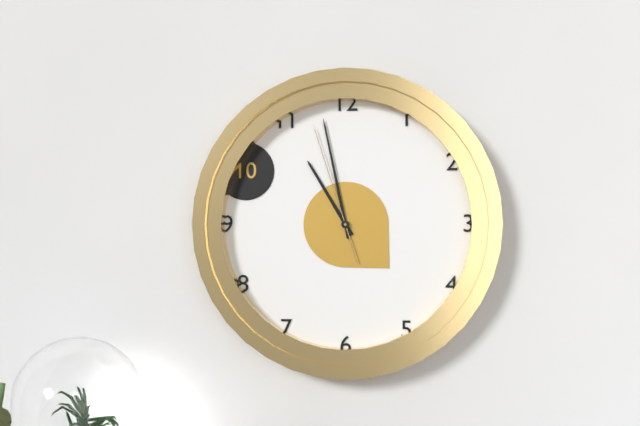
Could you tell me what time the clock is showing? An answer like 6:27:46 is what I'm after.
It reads 10:58:57
